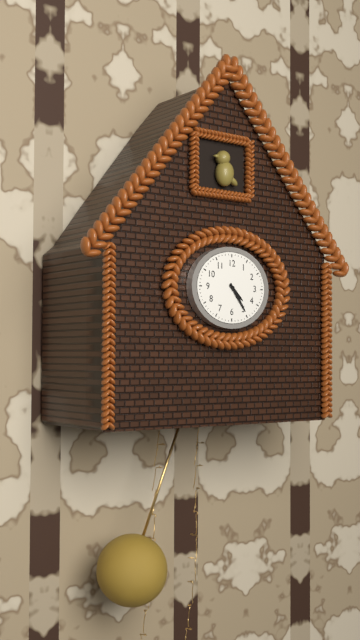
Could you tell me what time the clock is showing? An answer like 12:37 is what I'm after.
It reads 4:24
